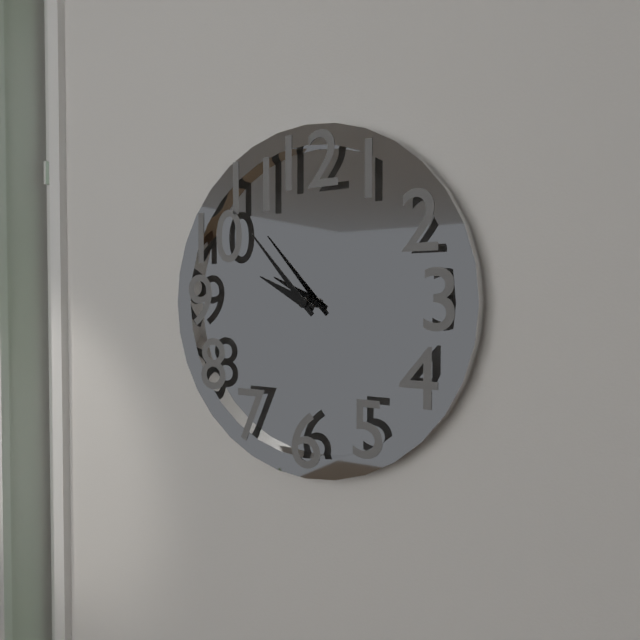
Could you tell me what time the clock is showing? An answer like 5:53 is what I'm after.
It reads 9:53
